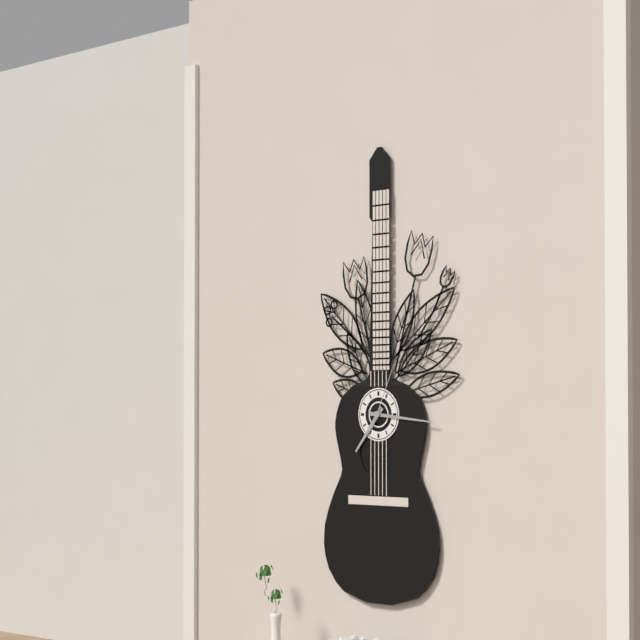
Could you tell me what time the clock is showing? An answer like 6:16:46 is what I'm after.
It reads 7:16:04
